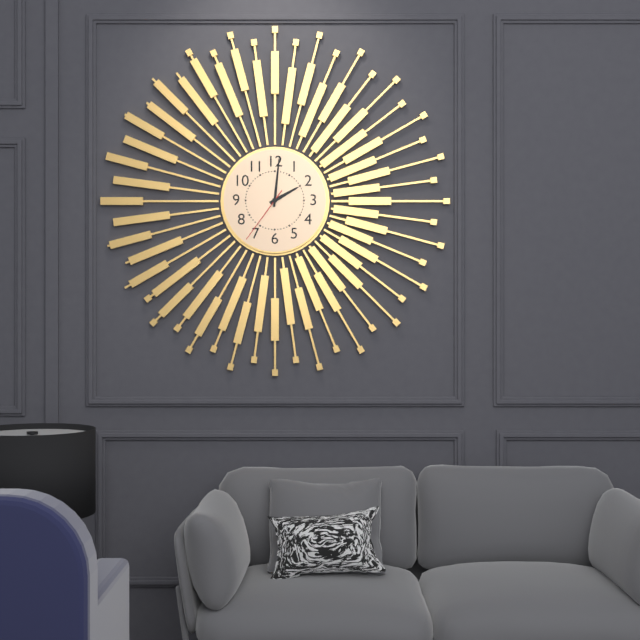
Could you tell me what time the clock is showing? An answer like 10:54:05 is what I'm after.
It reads 2:01:36
